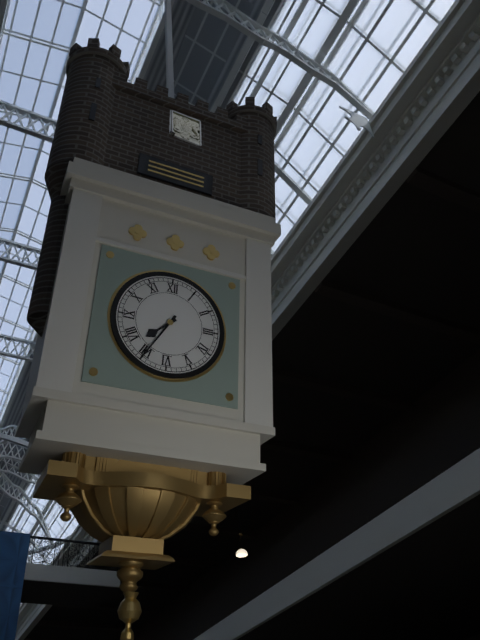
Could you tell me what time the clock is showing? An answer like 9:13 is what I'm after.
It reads 7:35
